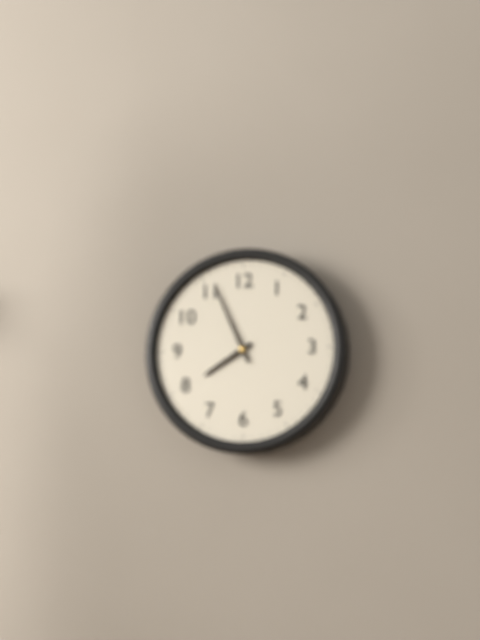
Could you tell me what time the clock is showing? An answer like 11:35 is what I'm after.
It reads 7:56
